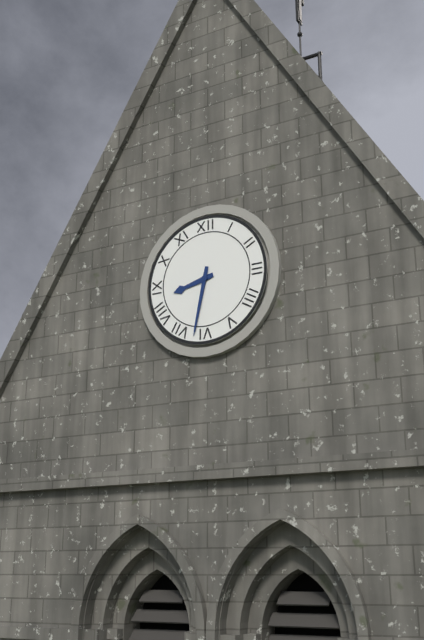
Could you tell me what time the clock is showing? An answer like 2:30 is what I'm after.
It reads 8:32
